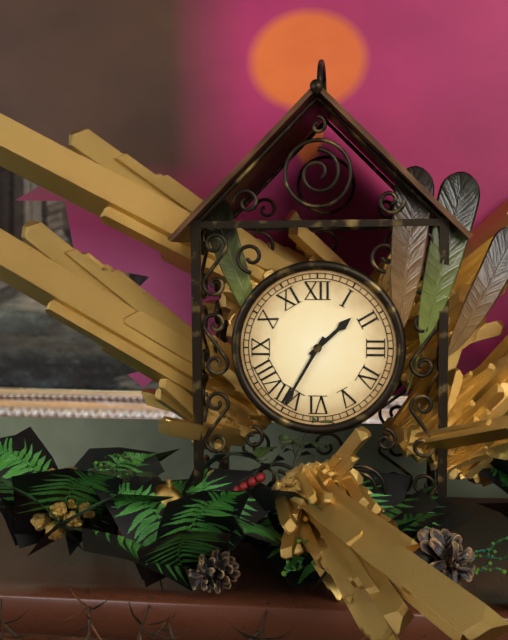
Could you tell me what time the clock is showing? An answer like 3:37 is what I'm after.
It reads 1:35
